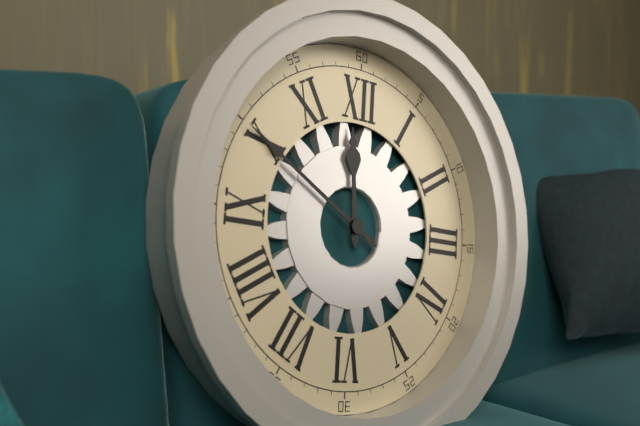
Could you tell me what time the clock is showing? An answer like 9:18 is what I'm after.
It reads 11:50
